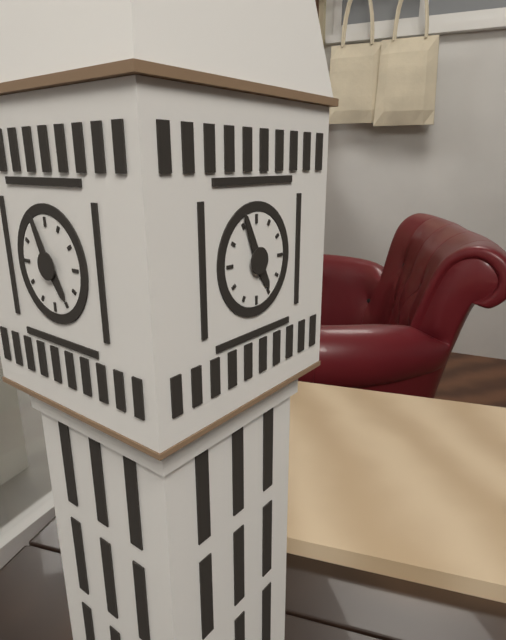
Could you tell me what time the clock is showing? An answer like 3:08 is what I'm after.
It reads 4:56
